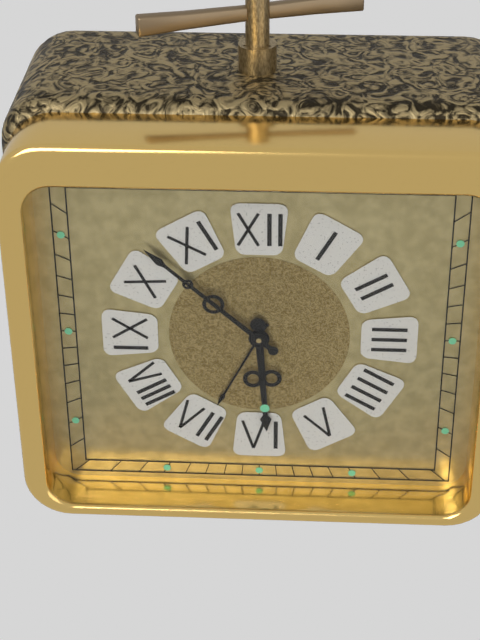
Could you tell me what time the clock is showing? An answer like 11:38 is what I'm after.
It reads 5:52
